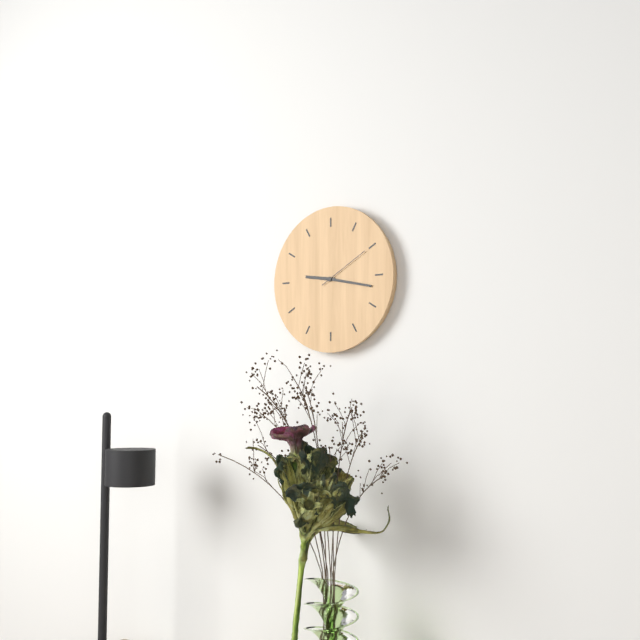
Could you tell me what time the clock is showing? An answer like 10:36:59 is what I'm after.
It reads 9:17:10
